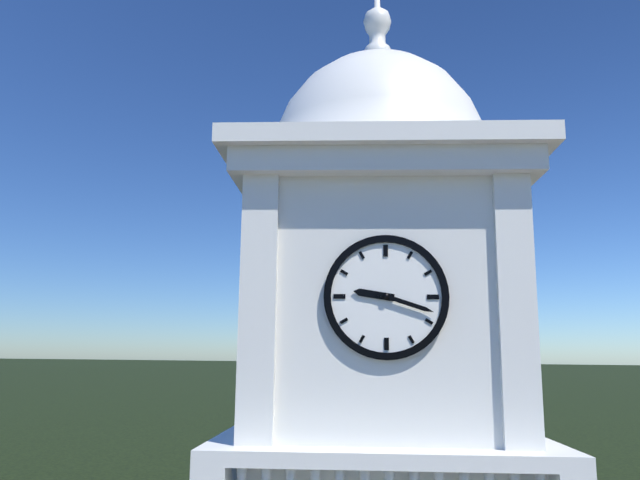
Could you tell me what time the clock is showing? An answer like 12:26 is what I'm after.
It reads 9:18
